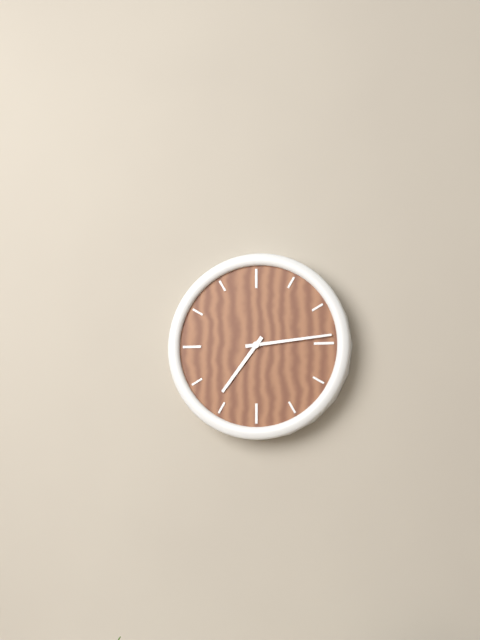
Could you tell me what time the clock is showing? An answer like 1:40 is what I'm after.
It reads 7:14
